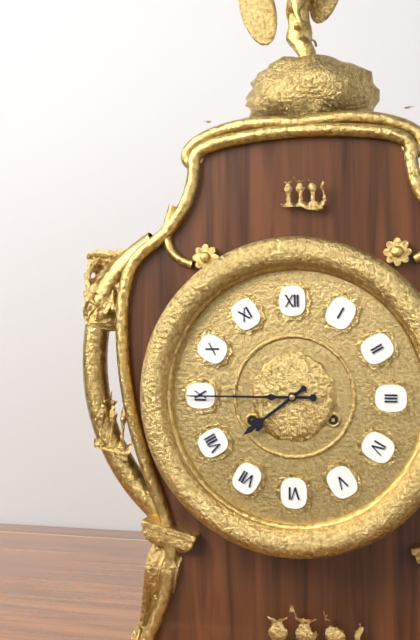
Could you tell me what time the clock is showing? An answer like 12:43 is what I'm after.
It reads 7:45
